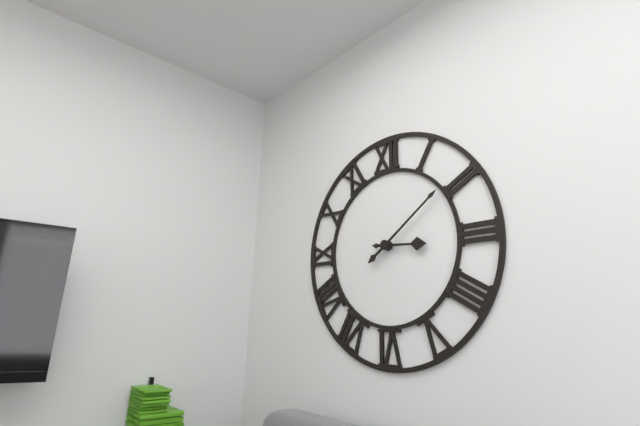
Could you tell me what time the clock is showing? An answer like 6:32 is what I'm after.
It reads 3:09
